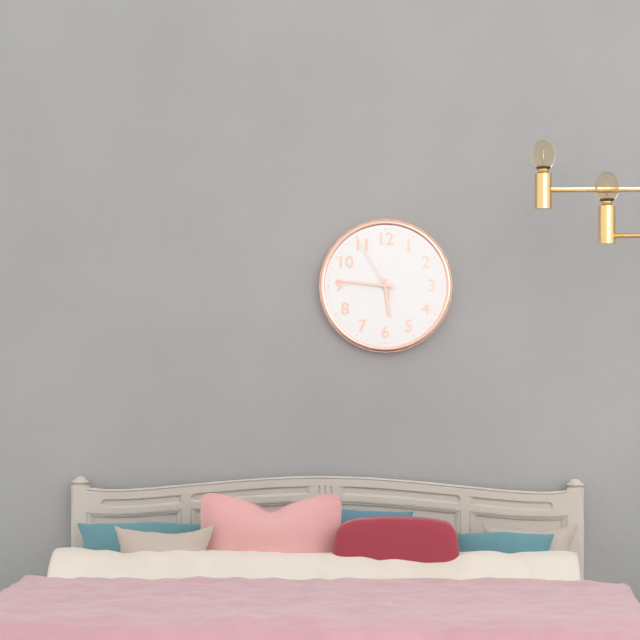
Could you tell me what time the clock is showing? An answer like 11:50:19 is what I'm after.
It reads 5:46:55
